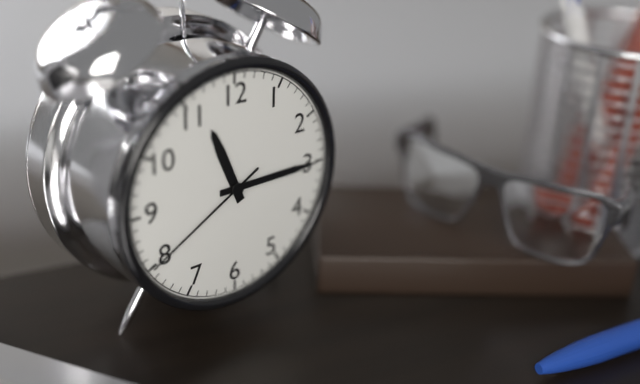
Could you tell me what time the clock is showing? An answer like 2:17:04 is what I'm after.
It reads 11:15:40
